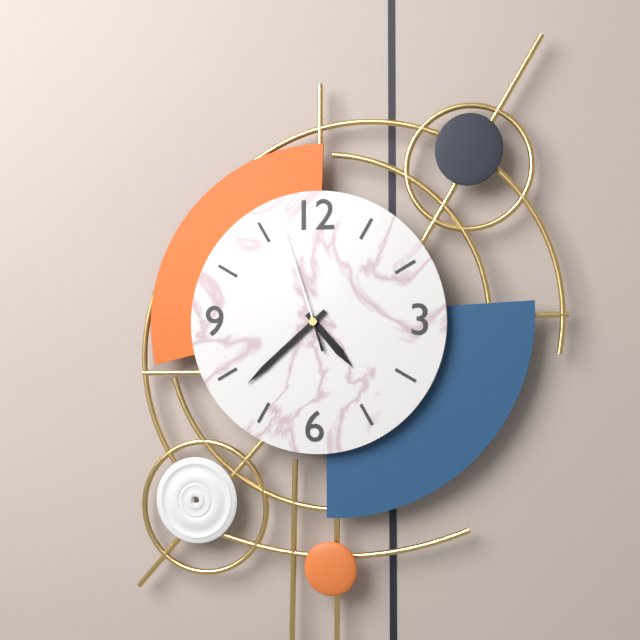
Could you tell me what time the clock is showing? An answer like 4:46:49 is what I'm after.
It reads 4:38:57
